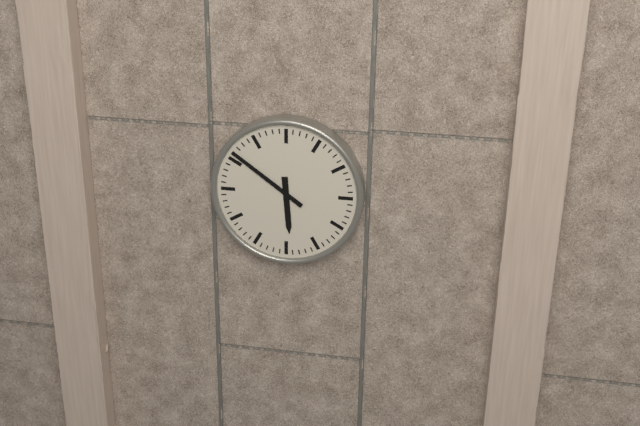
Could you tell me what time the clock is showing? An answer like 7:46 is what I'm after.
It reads 5:51
